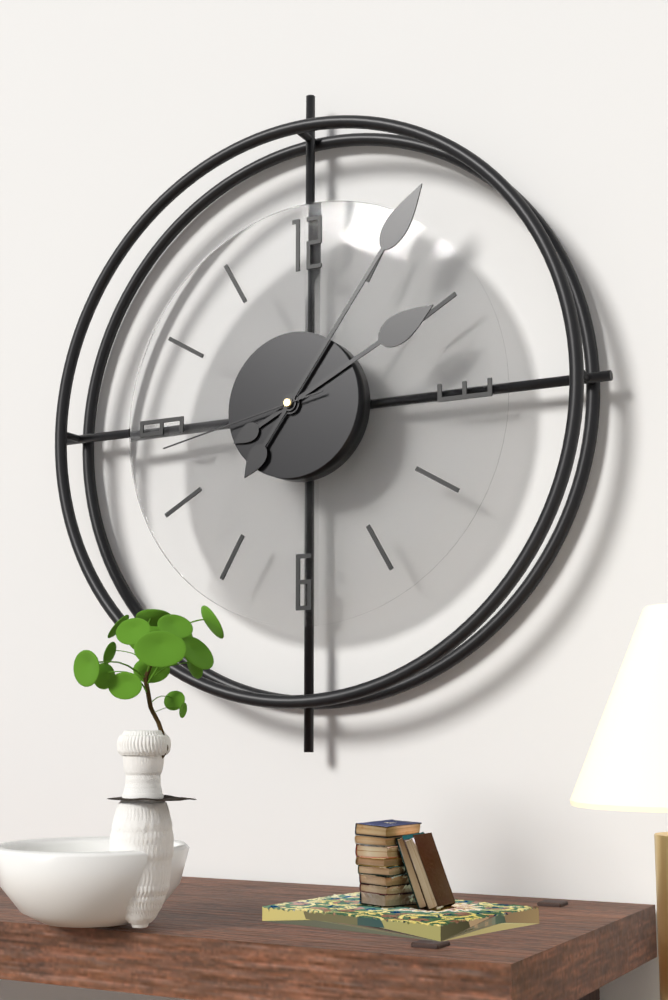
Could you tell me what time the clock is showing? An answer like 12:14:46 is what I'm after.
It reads 2:06:43
